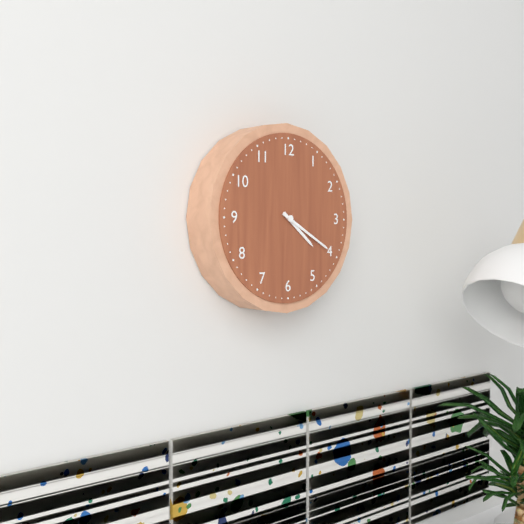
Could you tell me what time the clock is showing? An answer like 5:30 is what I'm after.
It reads 4:20
